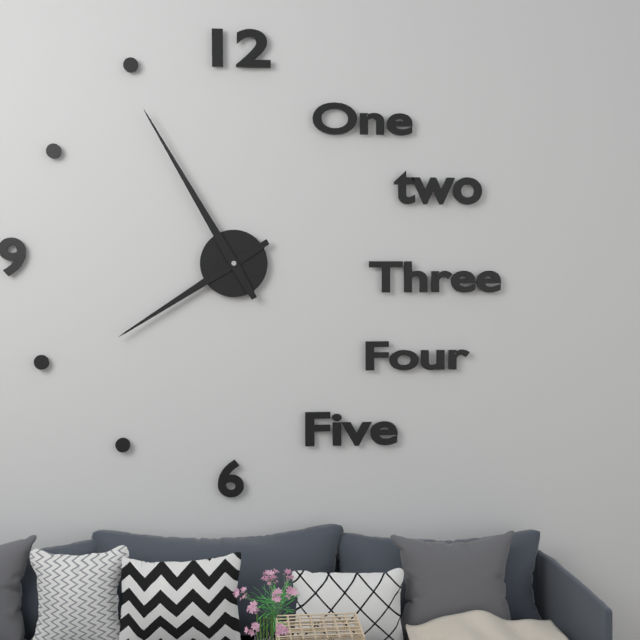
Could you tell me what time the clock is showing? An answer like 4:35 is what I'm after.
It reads 7:55
